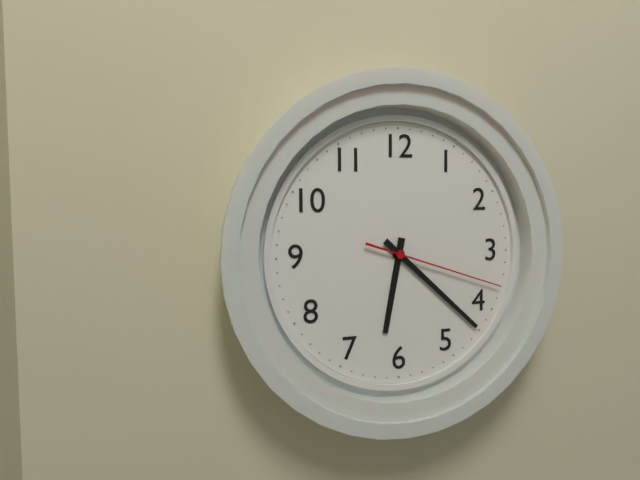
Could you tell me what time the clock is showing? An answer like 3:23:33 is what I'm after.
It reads 6:22:18
